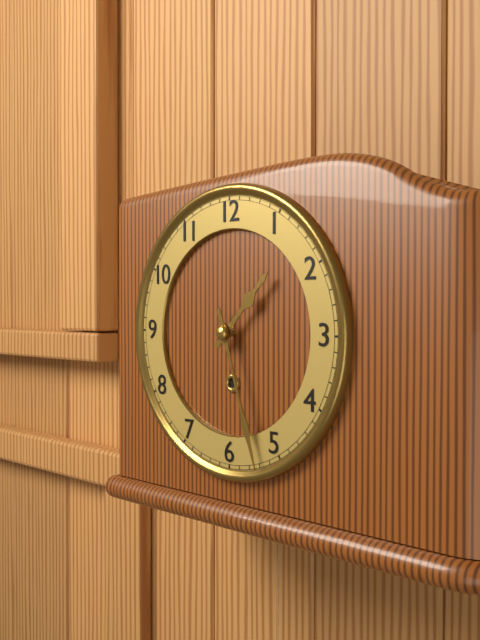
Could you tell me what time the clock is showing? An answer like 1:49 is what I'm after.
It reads 1:27
